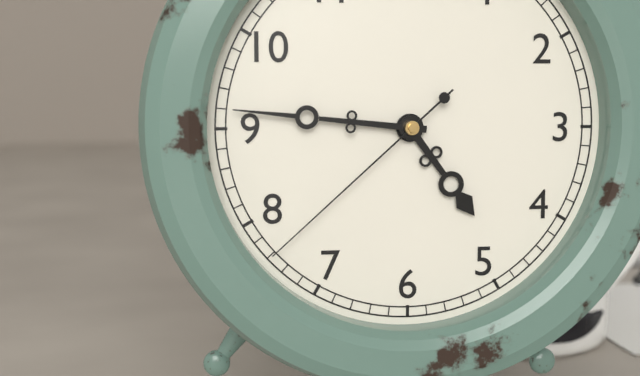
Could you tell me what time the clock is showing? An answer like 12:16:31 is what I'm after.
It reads 4:46:38
